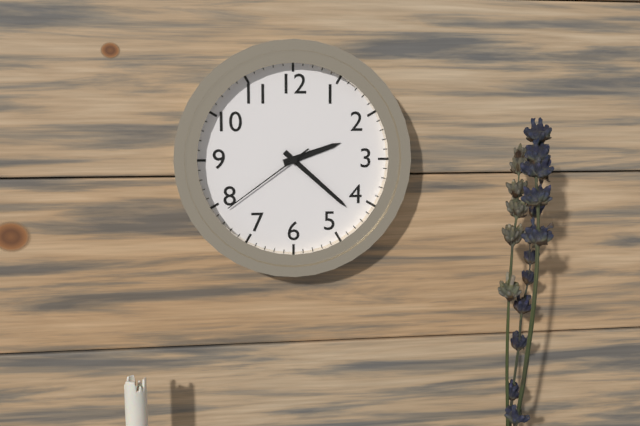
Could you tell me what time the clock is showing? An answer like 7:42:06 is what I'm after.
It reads 2:22:39
